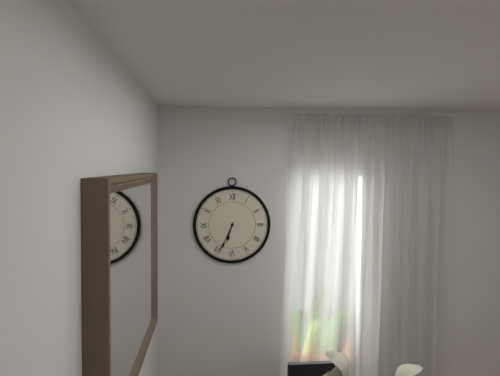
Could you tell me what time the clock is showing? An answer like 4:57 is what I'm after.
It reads 6:34
